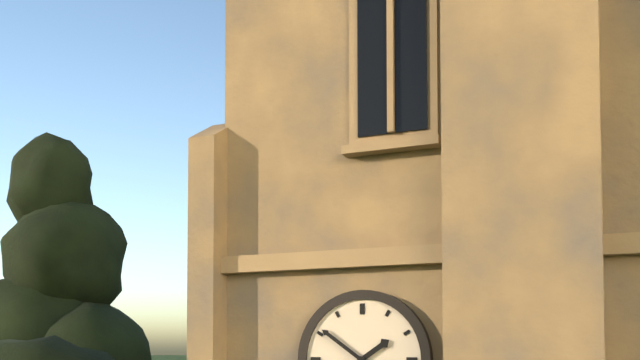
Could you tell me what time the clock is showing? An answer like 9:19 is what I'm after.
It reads 1:51
